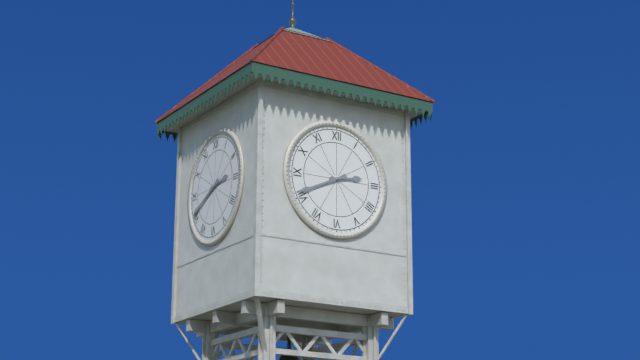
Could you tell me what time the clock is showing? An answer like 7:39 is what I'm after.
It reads 2:41
